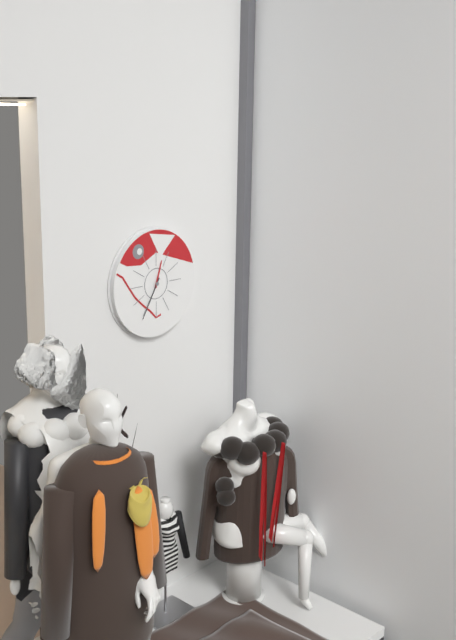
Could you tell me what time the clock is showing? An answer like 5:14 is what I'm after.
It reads 12:35
